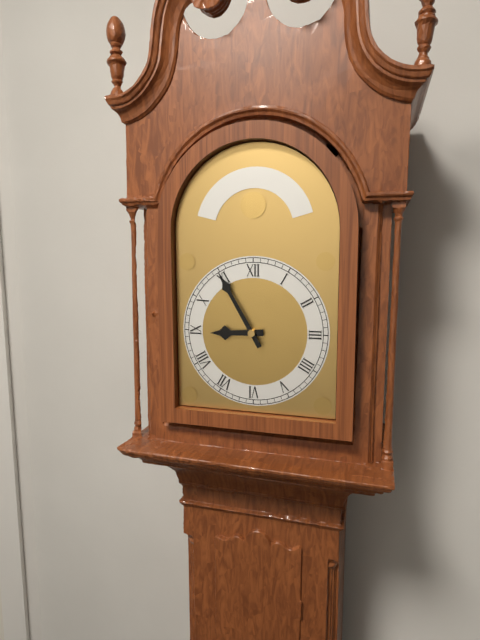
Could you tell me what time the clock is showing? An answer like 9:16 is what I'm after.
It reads 8:55
